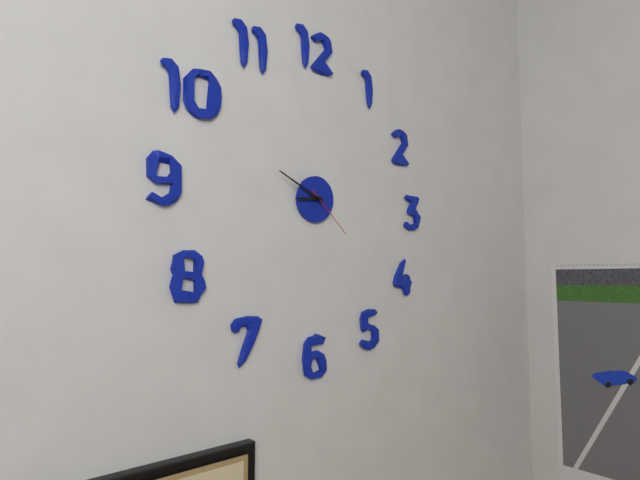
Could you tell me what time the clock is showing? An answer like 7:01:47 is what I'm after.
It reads 8:49:22
